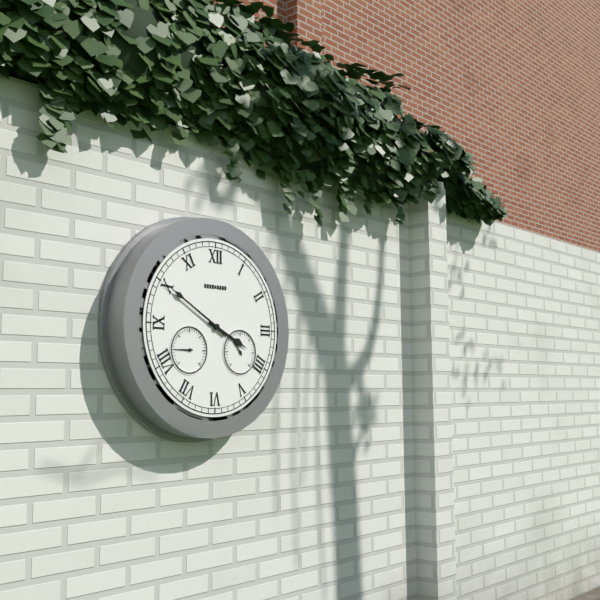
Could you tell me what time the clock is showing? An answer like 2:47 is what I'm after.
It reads 3:50
